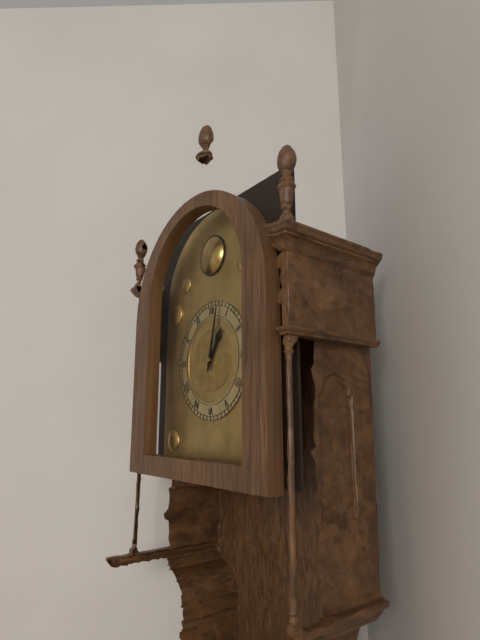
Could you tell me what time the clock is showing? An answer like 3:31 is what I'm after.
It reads 1:02
